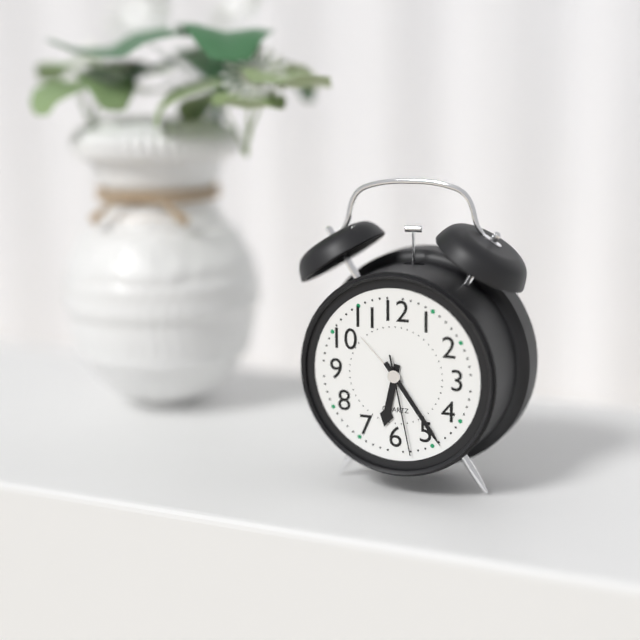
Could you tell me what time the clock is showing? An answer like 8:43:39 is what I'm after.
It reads 6:24:28
